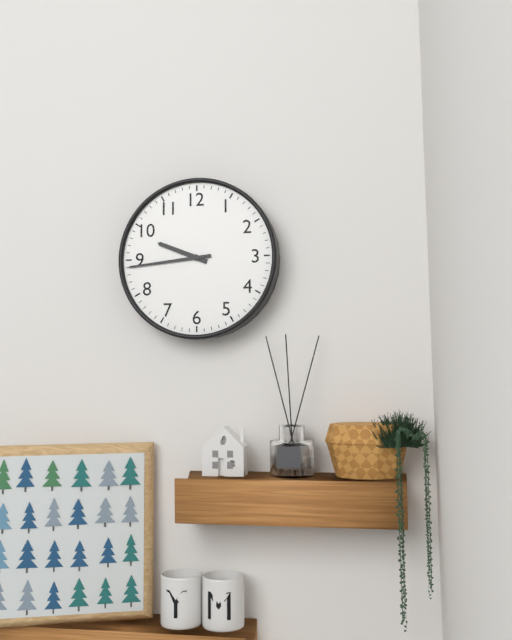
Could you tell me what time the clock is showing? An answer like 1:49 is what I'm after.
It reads 9:44
